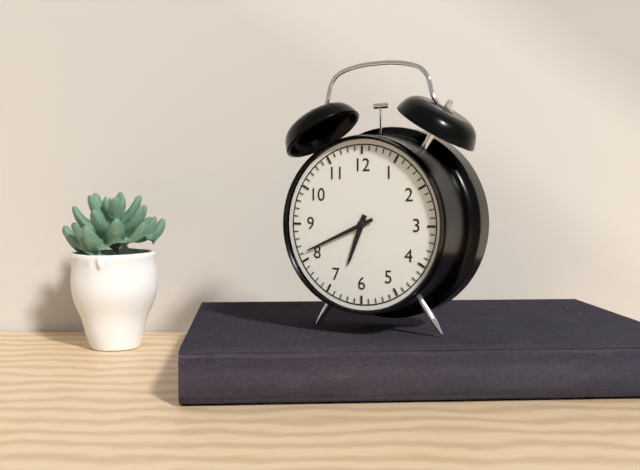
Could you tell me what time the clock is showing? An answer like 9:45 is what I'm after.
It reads 6:41
